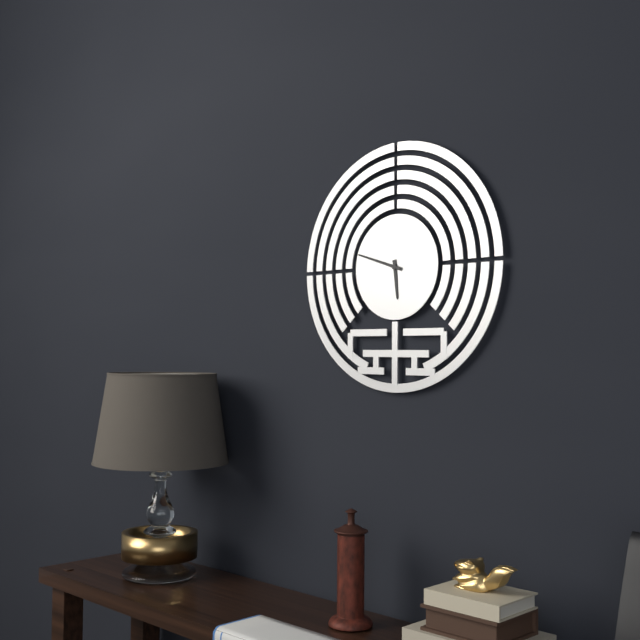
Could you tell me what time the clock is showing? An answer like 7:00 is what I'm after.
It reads 5:48
